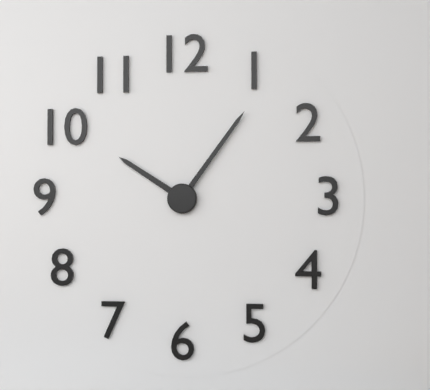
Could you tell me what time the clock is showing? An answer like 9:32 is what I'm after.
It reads 10:06
